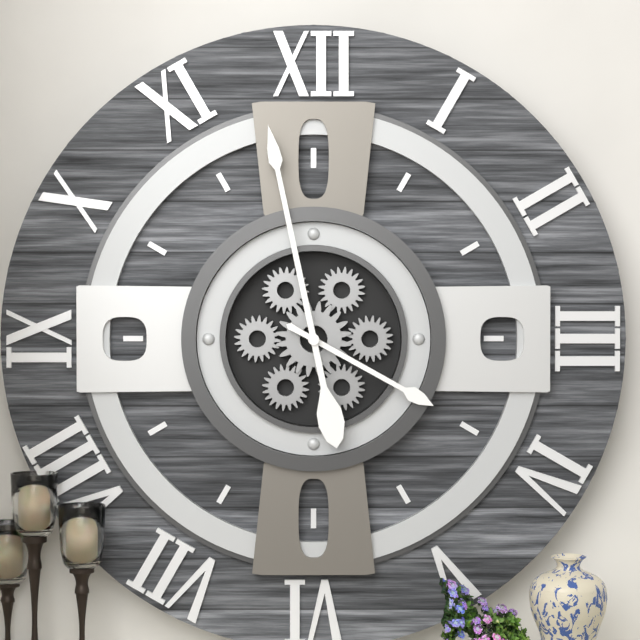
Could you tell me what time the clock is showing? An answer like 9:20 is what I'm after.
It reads 3:58
